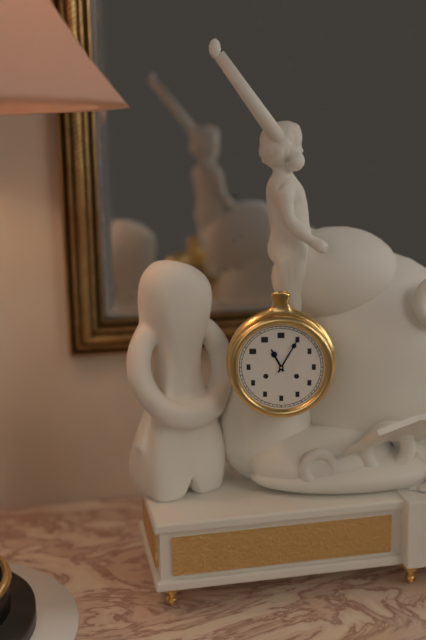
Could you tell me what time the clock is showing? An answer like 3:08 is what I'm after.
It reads 11:05
